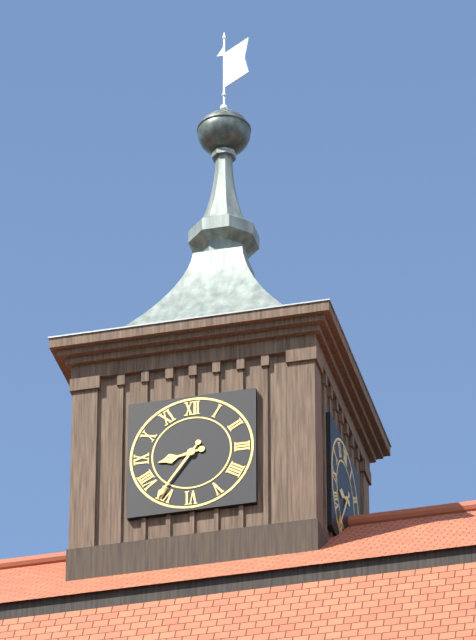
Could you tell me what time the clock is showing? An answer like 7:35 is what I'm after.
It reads 8:36
